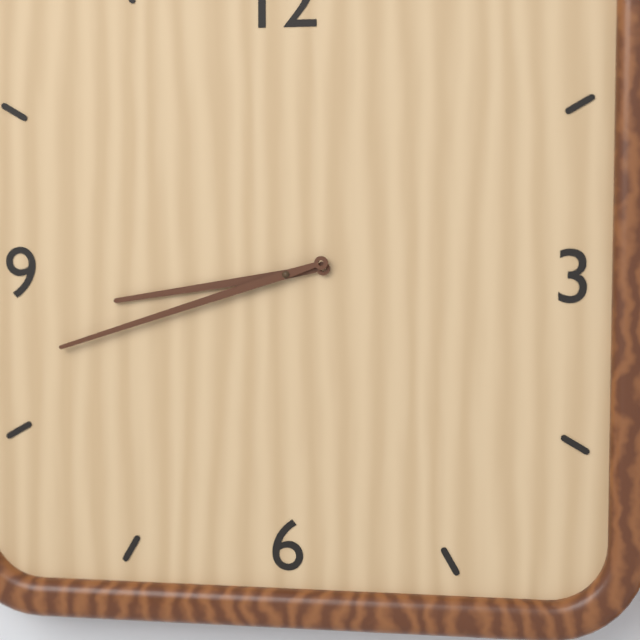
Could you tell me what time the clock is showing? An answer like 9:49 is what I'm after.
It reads 8:42
